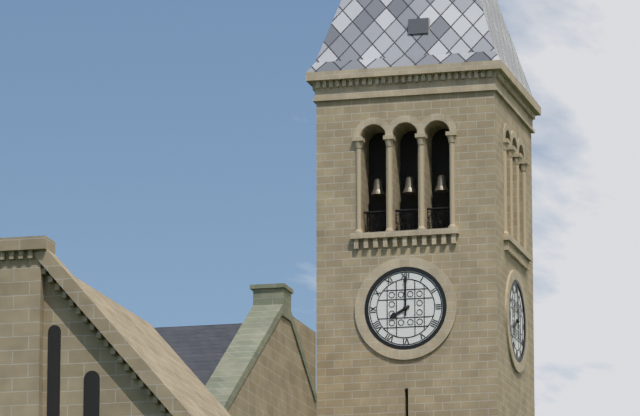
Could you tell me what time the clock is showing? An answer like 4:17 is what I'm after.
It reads 8:00
